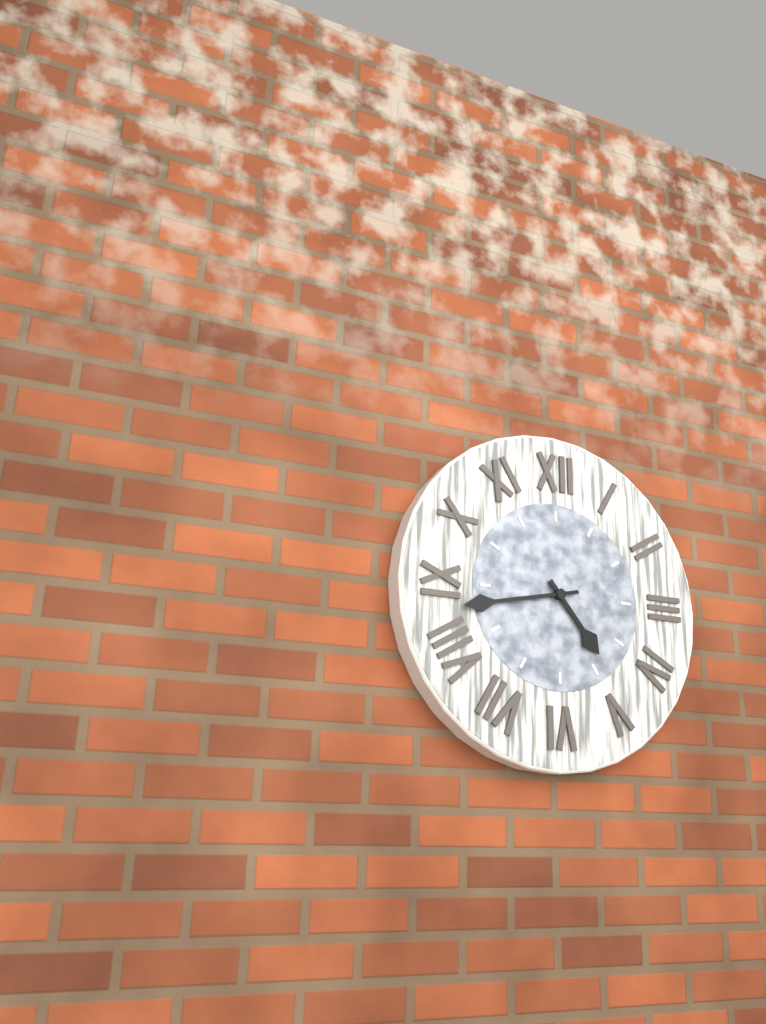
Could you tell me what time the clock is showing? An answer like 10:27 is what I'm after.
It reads 4:43
